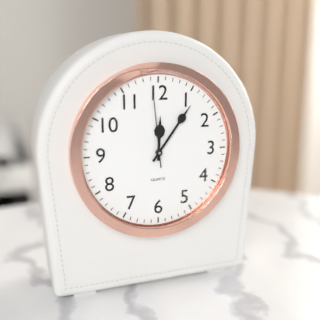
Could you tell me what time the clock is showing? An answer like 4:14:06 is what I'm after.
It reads 12:06:59
